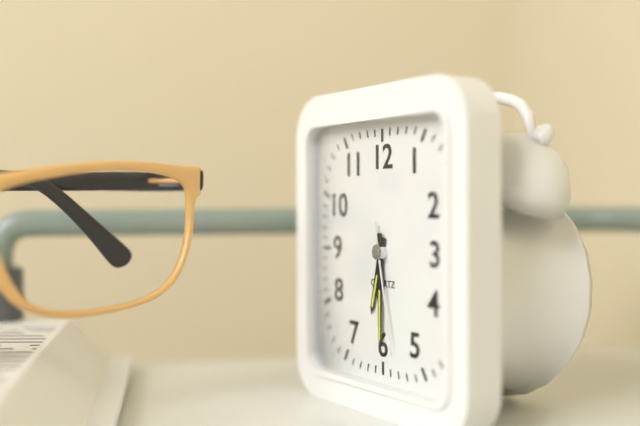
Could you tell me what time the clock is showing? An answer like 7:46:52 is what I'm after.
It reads 6:30:28
